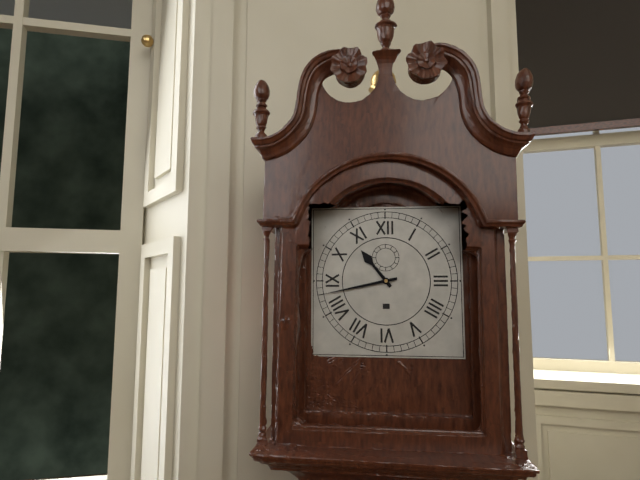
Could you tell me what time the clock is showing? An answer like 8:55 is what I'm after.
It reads 10:43
